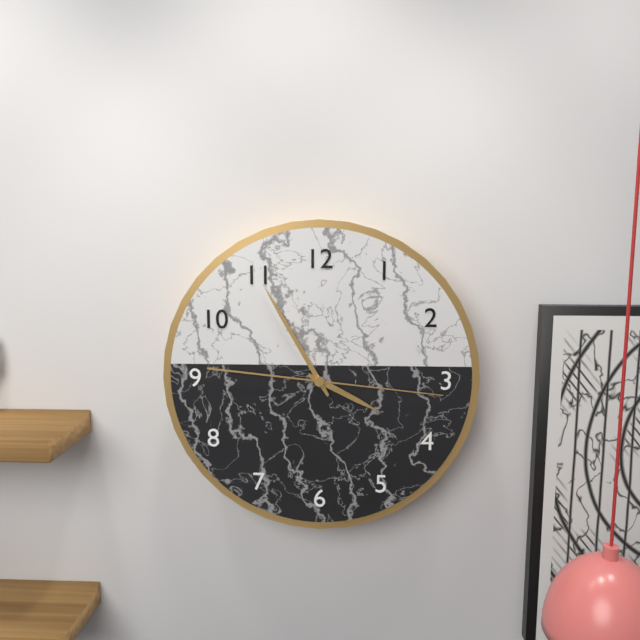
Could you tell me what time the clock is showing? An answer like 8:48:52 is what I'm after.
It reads 3:55:16
